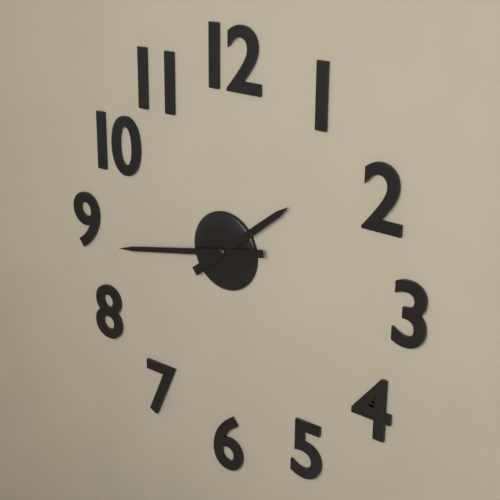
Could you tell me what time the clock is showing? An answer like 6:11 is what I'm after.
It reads 1:43
